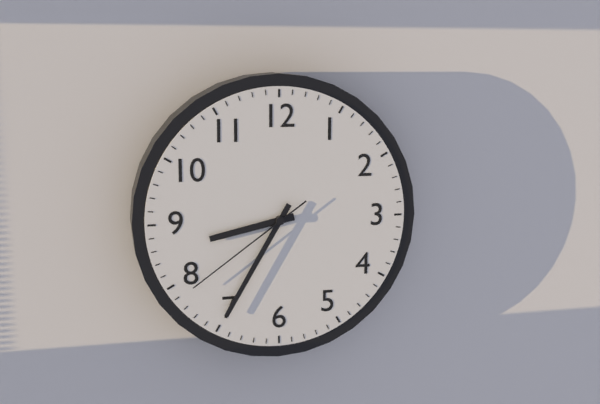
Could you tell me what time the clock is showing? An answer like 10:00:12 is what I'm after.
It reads 8:35:39
